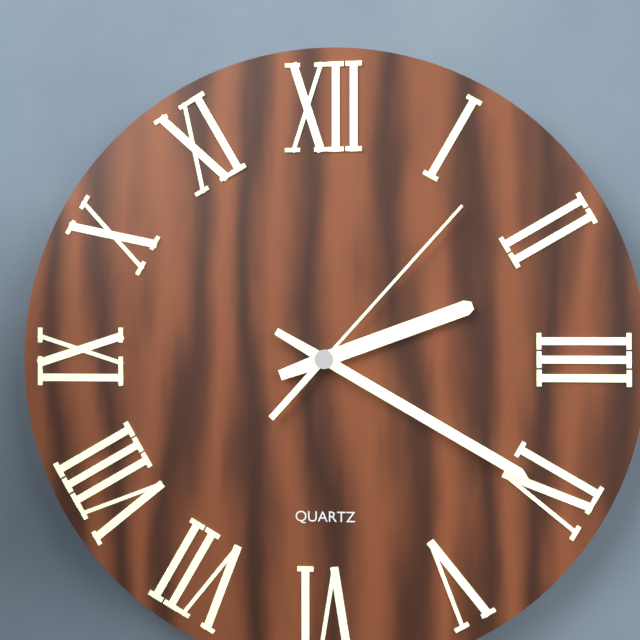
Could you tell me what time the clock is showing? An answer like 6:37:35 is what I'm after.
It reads 2:20:07
